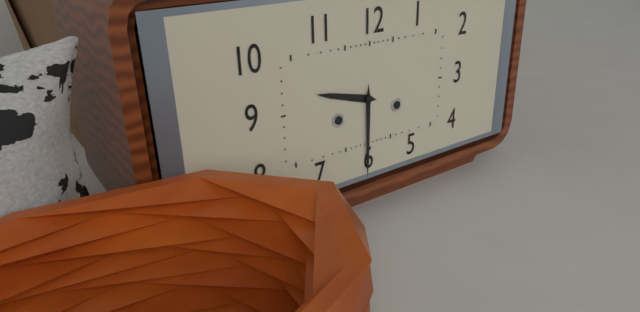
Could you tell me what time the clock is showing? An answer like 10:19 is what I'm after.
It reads 9:30
